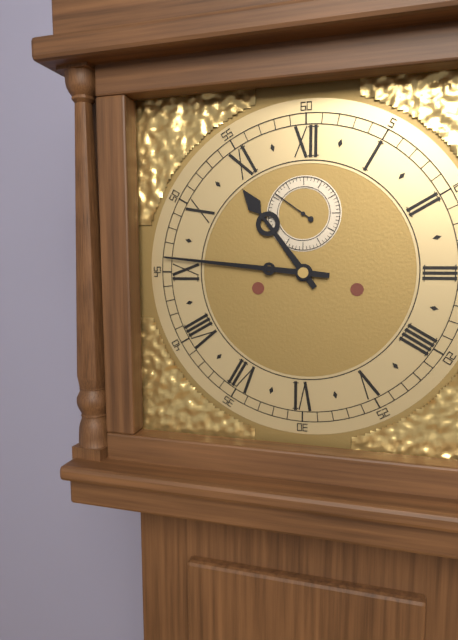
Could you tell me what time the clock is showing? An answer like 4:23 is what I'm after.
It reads 10:46
